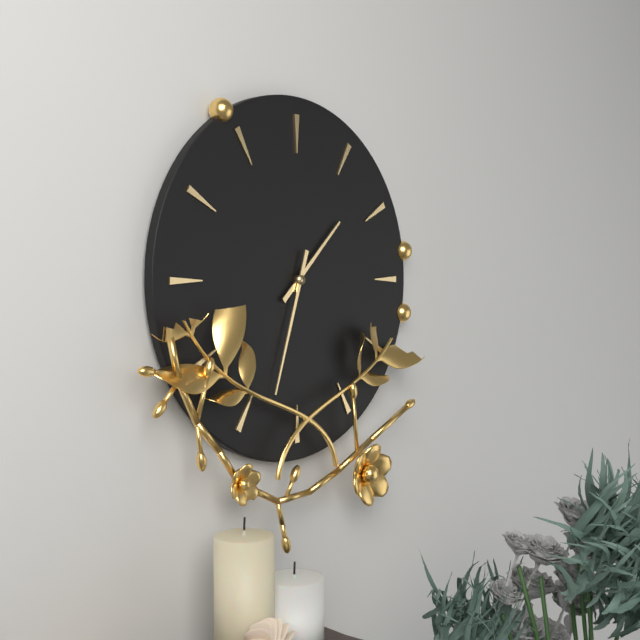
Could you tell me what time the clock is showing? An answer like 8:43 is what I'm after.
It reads 1:33
